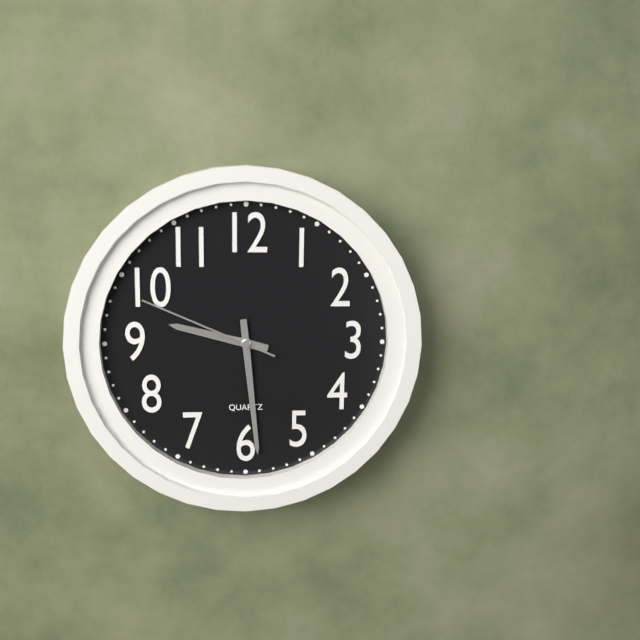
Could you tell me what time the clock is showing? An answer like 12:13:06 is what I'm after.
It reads 9:29:49
